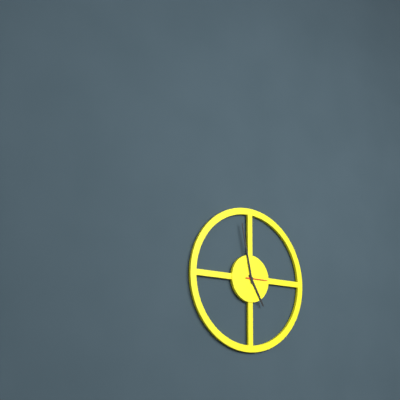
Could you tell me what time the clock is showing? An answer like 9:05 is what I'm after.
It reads 4:58
